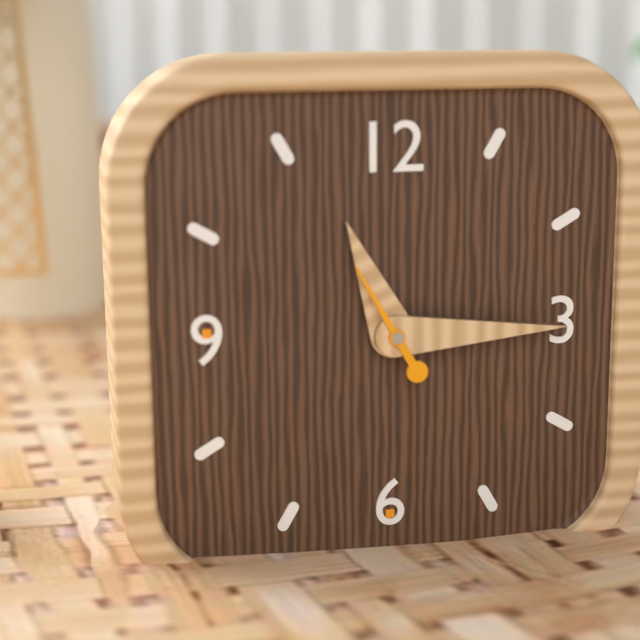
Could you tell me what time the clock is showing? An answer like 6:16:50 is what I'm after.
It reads 11:15:55
